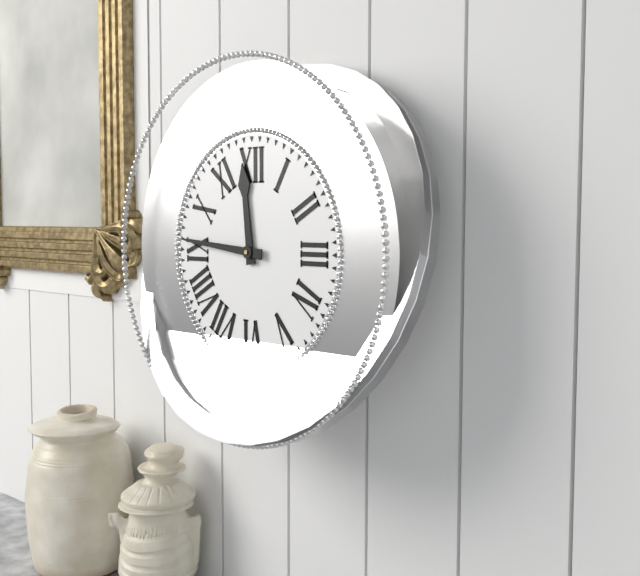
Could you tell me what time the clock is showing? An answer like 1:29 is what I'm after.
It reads 11:46
